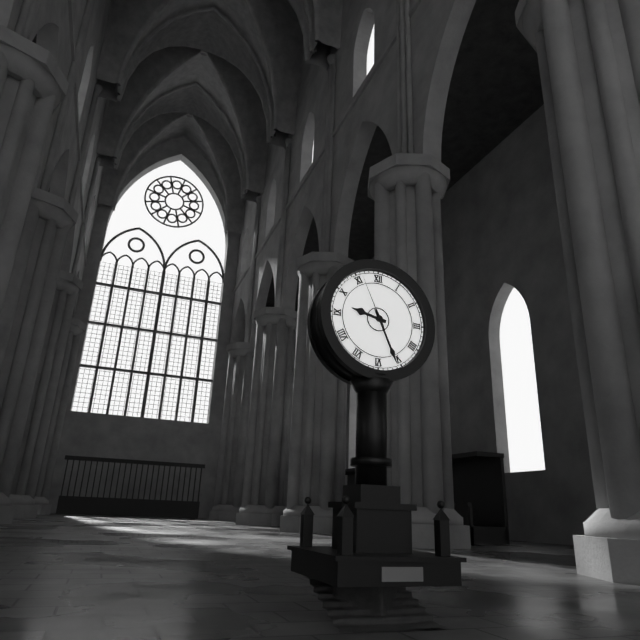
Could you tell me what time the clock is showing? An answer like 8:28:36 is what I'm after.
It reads 9:26:56
